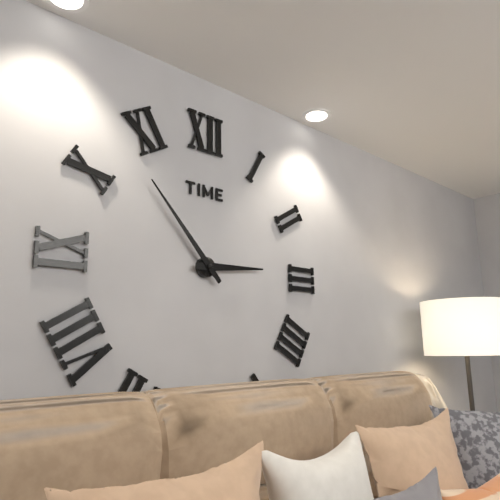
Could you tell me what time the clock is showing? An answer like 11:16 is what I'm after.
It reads 2:53
